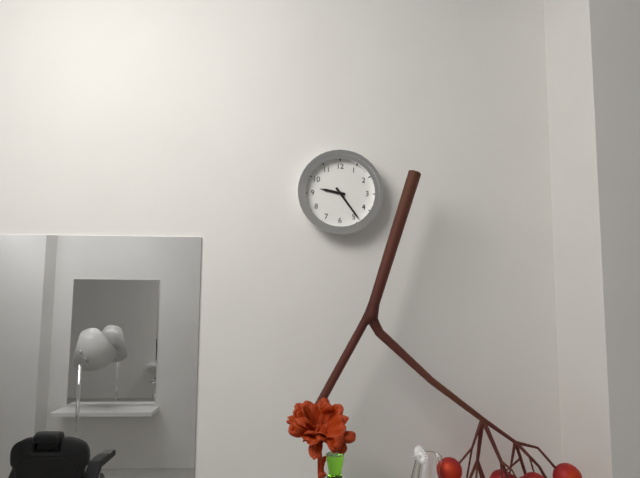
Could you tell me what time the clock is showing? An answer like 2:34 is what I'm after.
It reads 9:24
